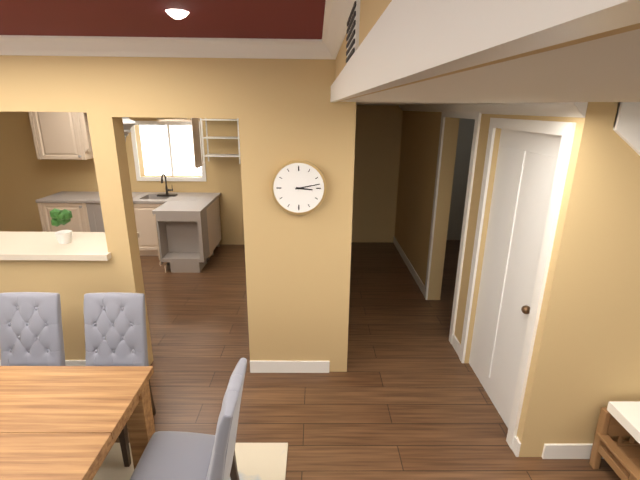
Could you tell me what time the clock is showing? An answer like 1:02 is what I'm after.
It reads 3:13
